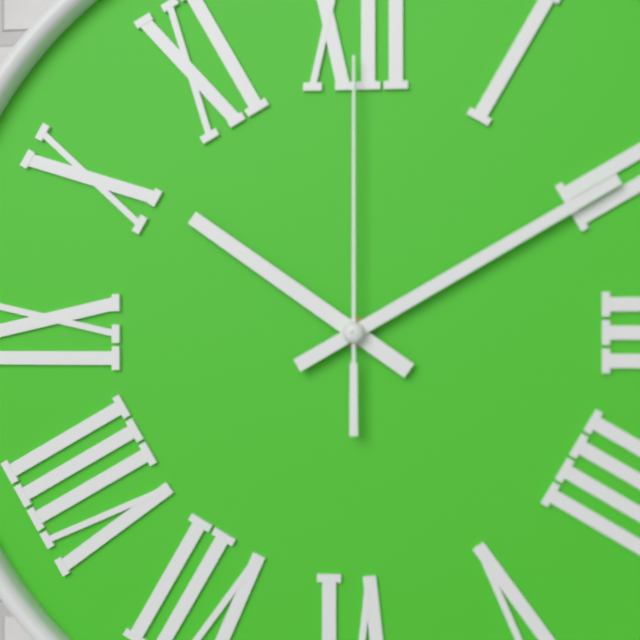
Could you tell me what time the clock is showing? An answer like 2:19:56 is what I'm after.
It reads 10:10:00
